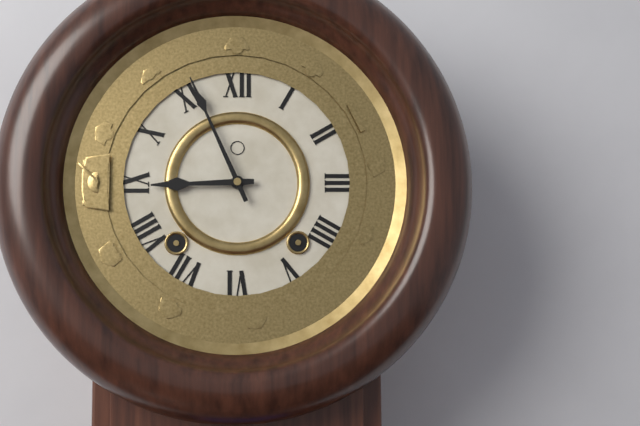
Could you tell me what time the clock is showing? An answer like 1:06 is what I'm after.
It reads 8:56
